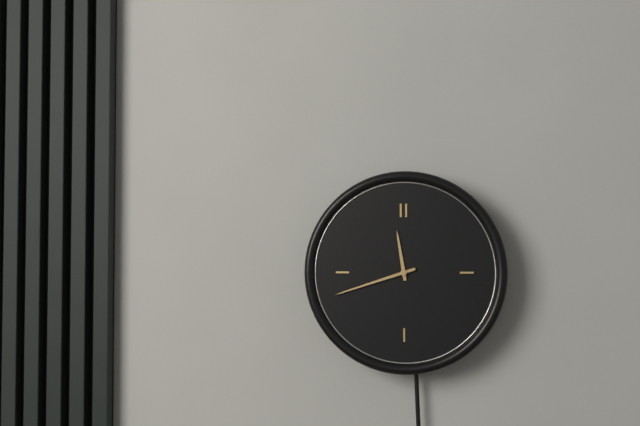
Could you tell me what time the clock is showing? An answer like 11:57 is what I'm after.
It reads 11:42
